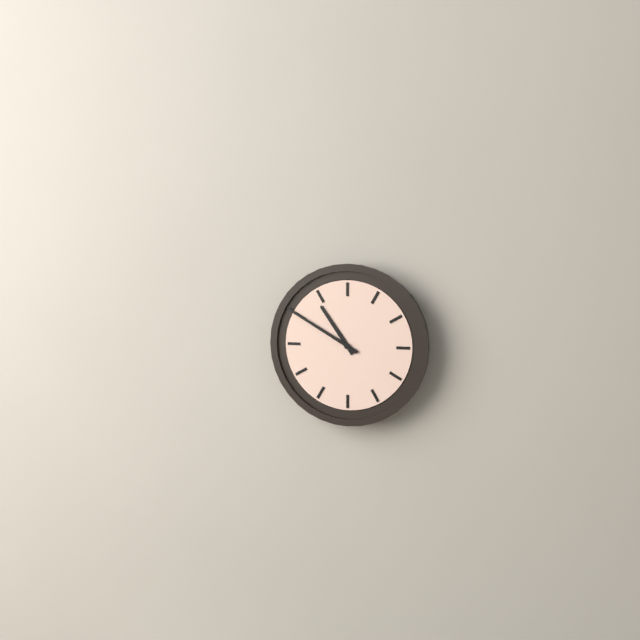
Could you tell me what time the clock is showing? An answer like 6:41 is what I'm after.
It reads 10:50
